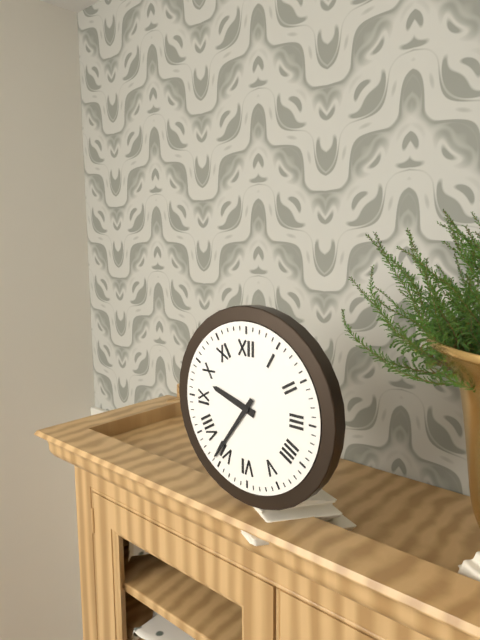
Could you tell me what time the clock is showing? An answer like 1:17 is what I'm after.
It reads 9:36
